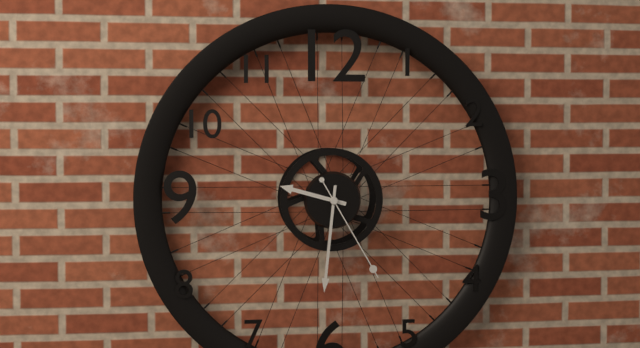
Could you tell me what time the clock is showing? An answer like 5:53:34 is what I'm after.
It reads 9:31:25
